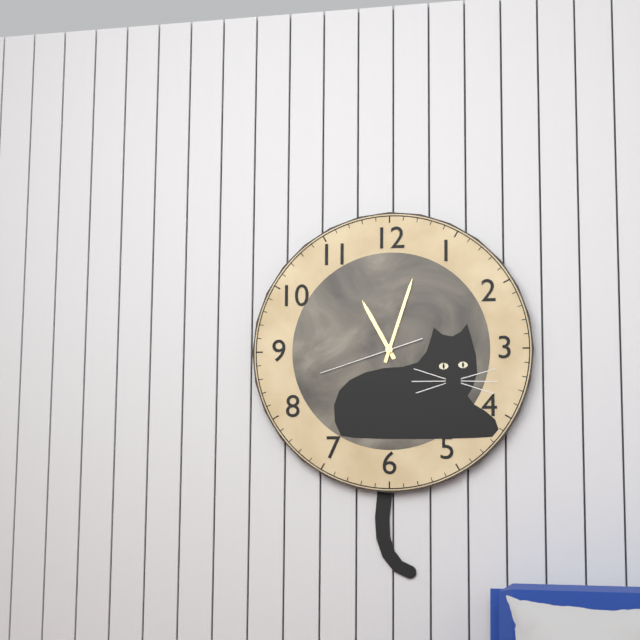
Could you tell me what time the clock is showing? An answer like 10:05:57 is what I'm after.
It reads 11:03:42
